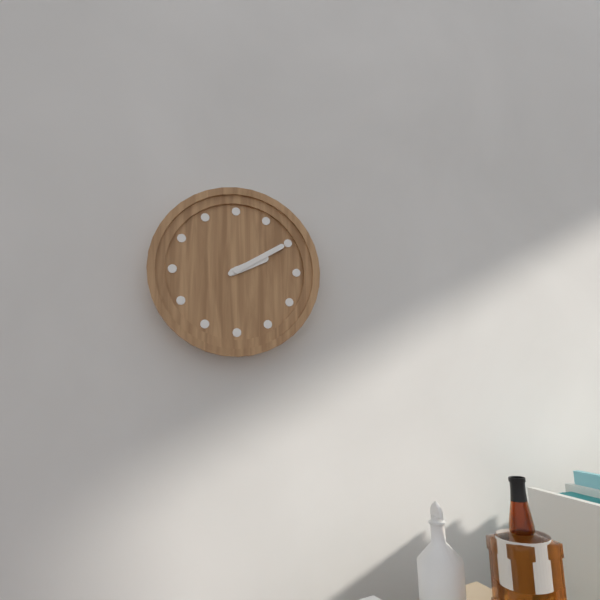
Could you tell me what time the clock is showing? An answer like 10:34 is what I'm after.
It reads 2:10
